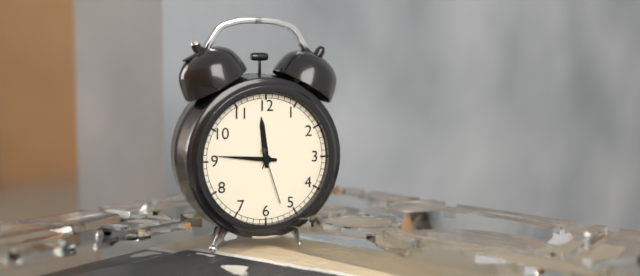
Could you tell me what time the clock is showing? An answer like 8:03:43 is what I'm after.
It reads 11:46:27
